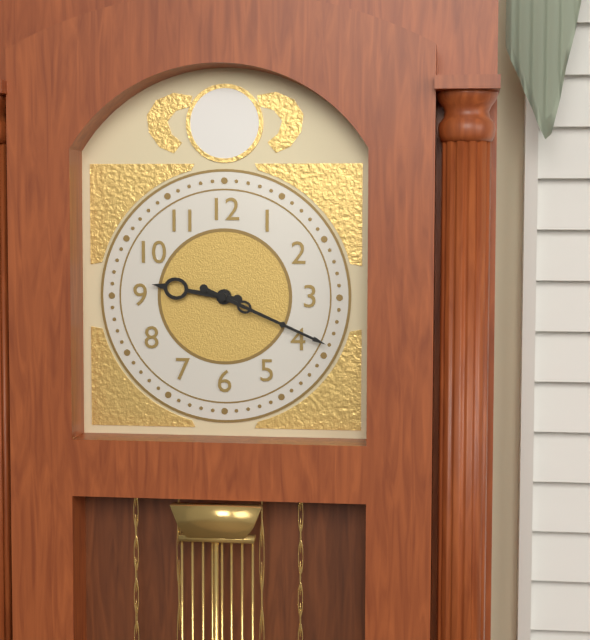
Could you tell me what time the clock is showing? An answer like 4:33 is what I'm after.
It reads 9:19
